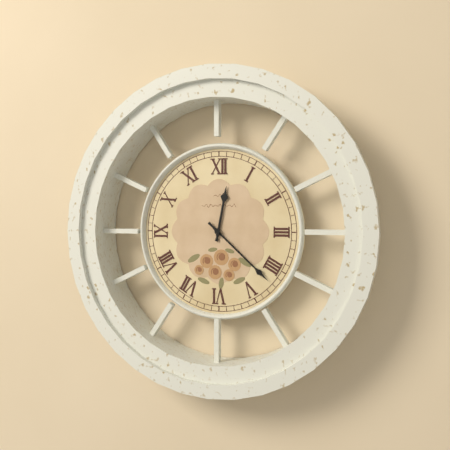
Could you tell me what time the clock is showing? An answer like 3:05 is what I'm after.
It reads 12:22
